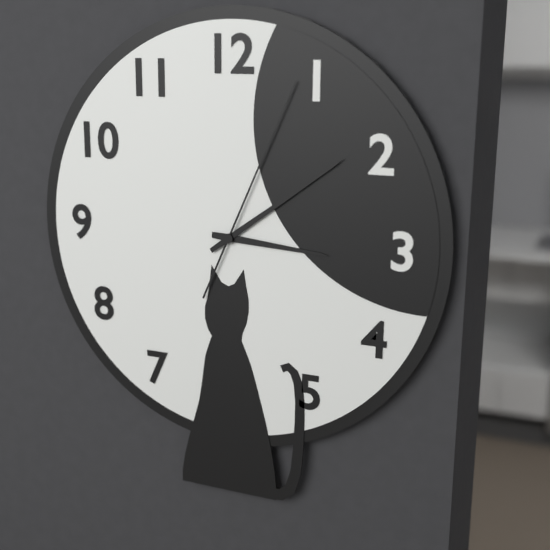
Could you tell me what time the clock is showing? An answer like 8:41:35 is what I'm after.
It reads 3:09:04
